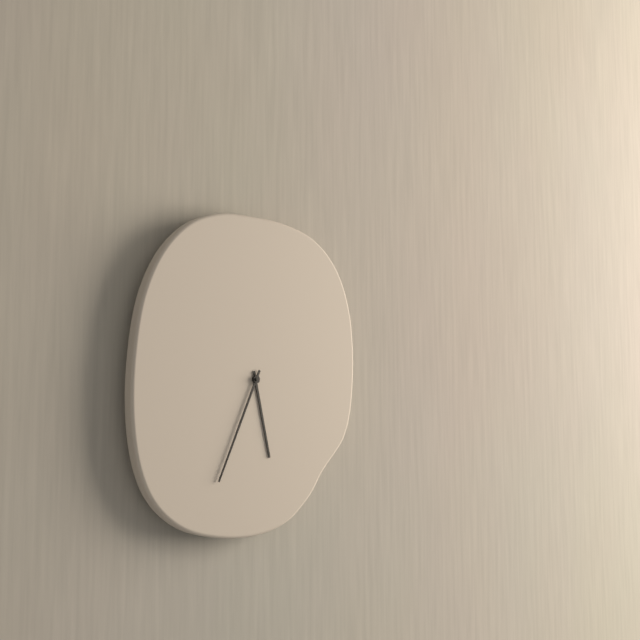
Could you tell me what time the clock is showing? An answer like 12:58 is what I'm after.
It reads 5:34
